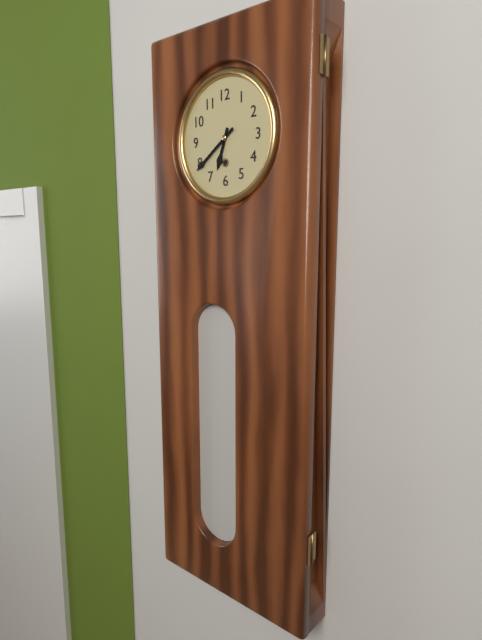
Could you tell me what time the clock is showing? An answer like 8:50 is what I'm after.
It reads 6:39
